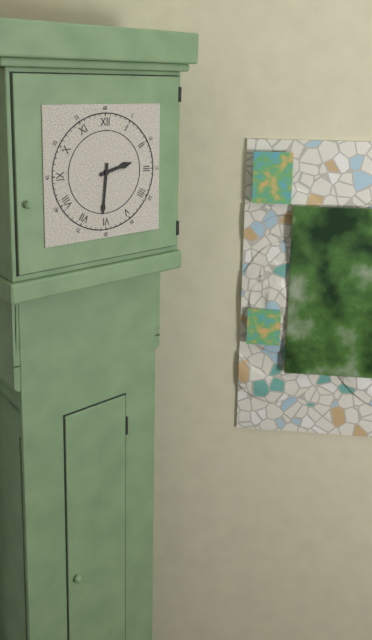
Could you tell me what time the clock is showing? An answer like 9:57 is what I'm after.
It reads 2:31
